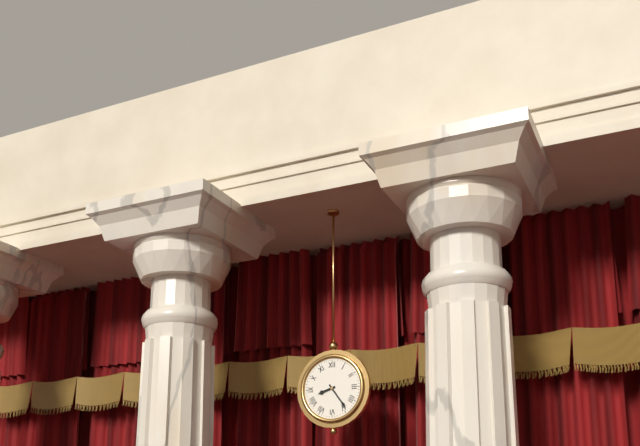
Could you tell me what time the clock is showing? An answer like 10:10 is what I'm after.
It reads 8:24
